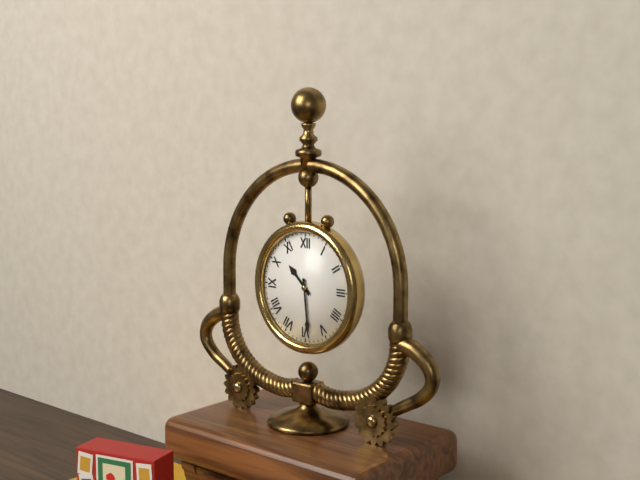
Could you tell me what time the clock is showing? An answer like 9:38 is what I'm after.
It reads 10:29
